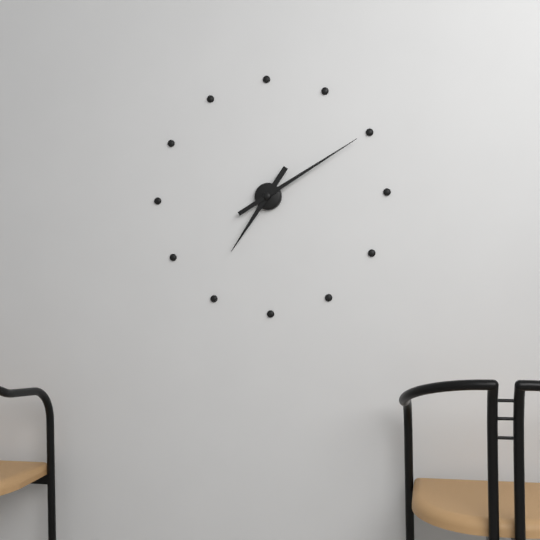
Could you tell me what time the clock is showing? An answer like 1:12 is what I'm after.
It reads 7:10
